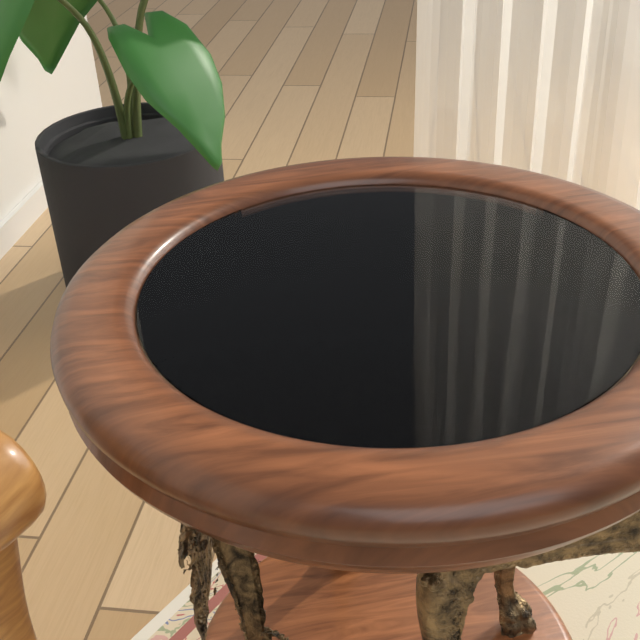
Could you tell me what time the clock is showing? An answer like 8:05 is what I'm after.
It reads 9:23
